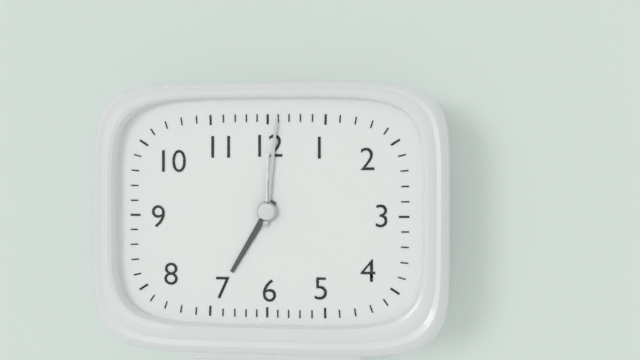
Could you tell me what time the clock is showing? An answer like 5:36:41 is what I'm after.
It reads 7:01:00
